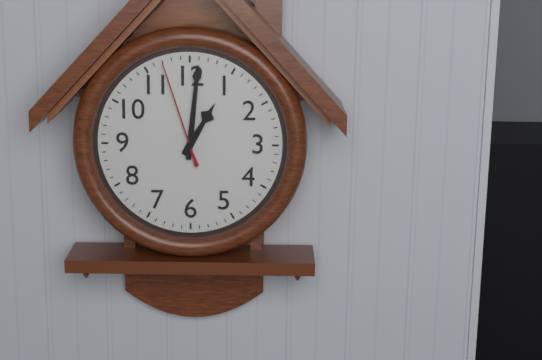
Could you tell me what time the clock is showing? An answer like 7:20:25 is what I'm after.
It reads 1:01:57
